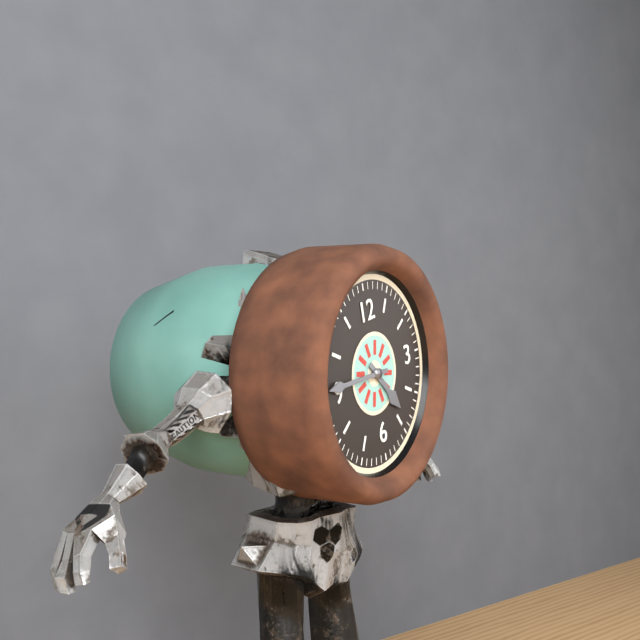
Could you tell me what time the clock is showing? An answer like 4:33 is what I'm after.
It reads 4:46
